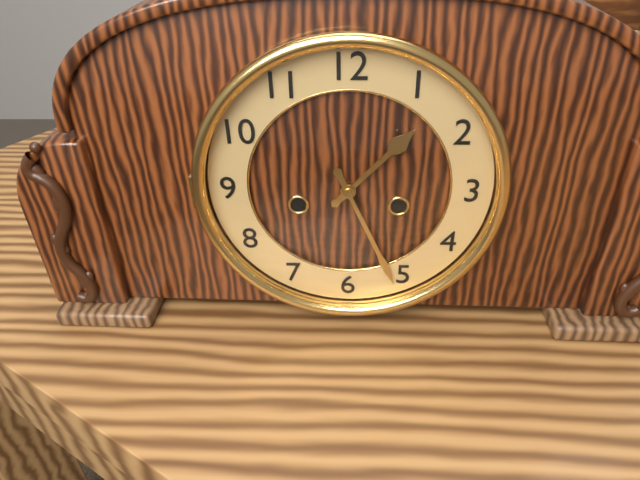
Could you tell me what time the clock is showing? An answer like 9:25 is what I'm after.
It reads 1:26
